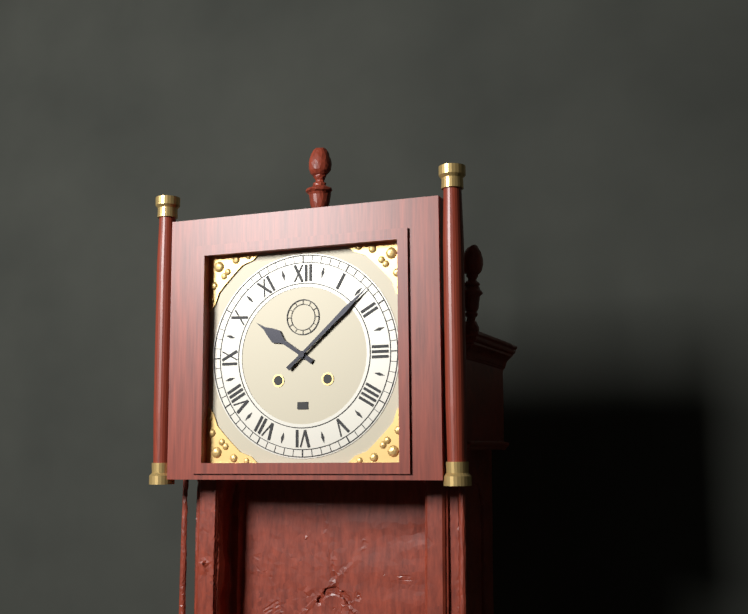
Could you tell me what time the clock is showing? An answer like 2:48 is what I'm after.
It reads 10:08
